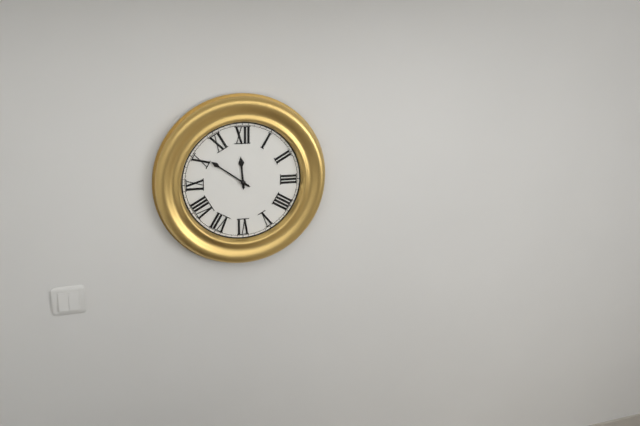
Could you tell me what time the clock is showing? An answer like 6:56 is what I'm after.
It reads 11:51
